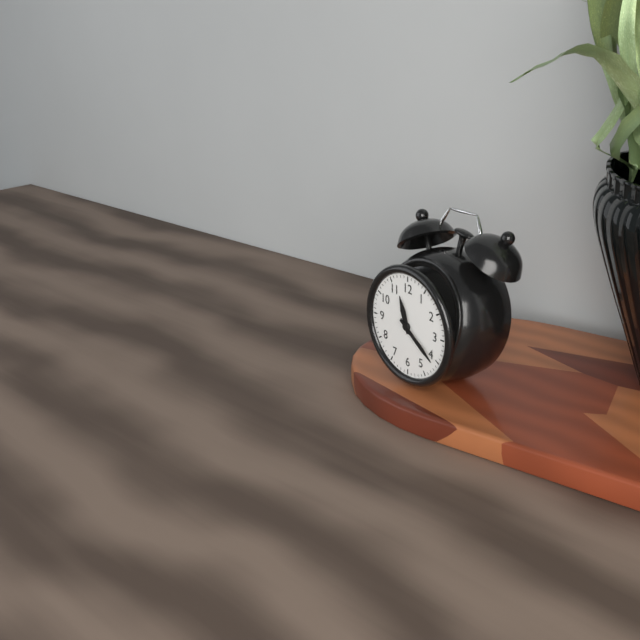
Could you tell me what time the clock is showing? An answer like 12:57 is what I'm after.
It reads 11:21
